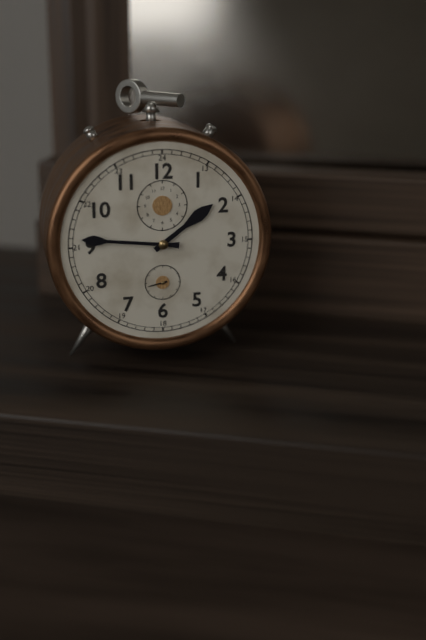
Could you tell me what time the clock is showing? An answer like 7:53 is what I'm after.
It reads 1:46
